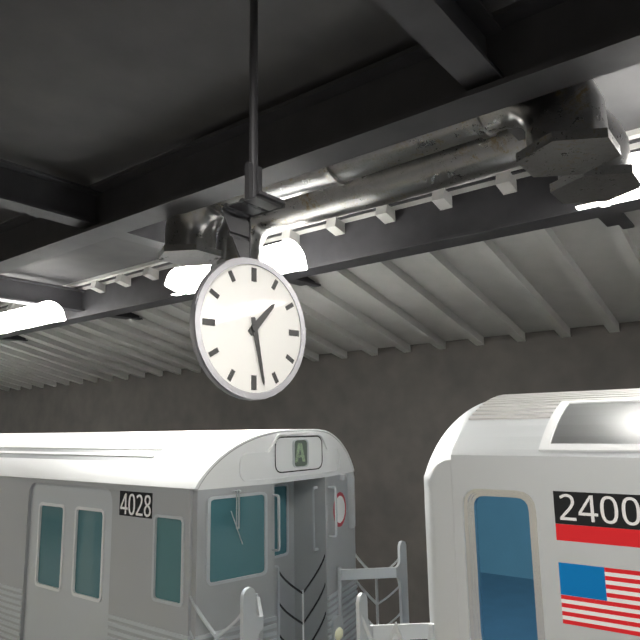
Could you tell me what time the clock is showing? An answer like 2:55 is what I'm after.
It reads 1:28
